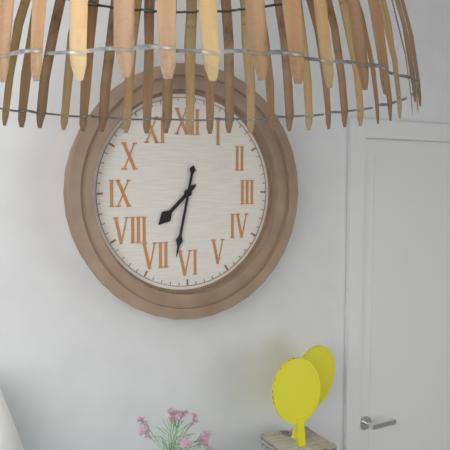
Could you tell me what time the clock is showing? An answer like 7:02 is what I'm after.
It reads 7:32
